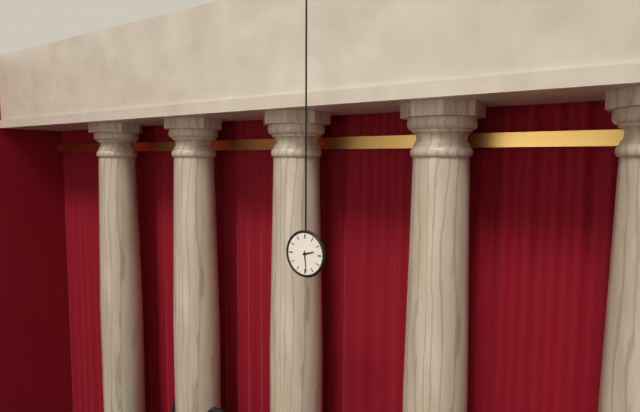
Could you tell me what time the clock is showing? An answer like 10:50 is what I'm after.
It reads 2:29
